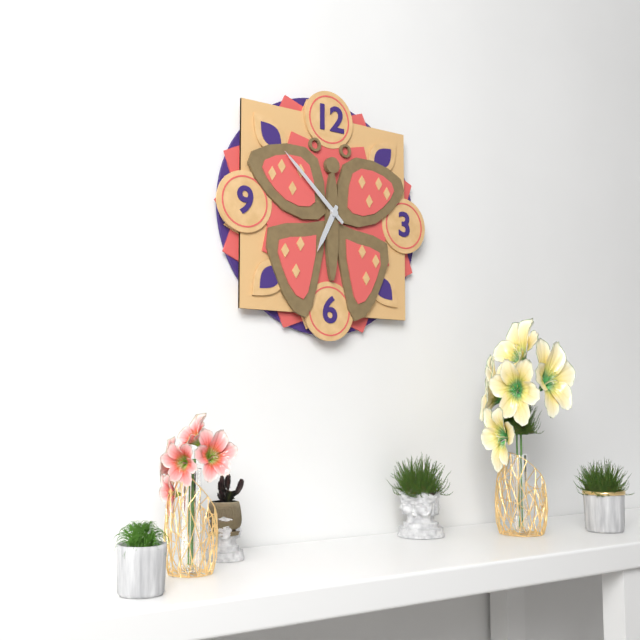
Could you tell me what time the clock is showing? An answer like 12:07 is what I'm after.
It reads 6:52
